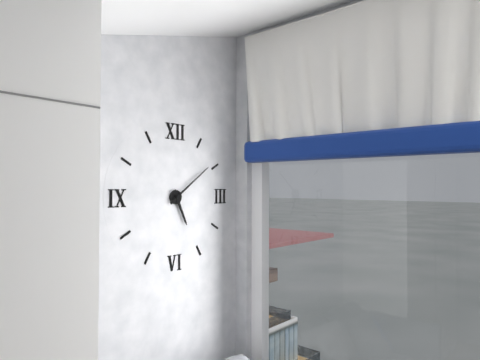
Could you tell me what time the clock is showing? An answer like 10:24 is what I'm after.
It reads 5:09
